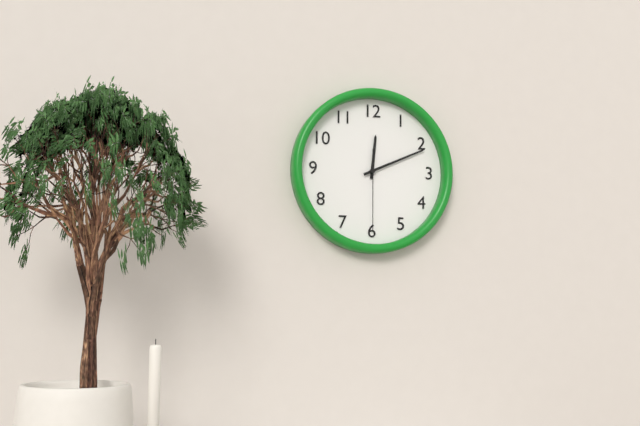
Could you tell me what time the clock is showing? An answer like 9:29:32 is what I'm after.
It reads 12:11:30
